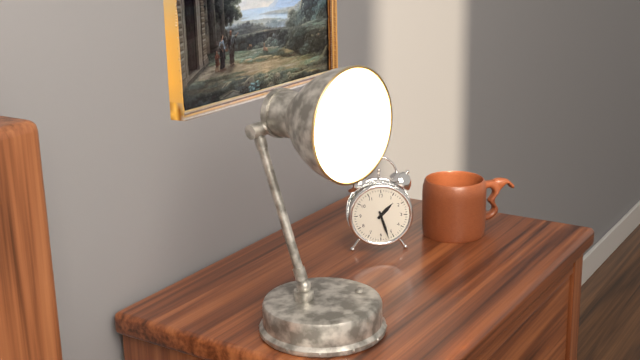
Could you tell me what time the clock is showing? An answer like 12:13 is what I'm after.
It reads 1:27
